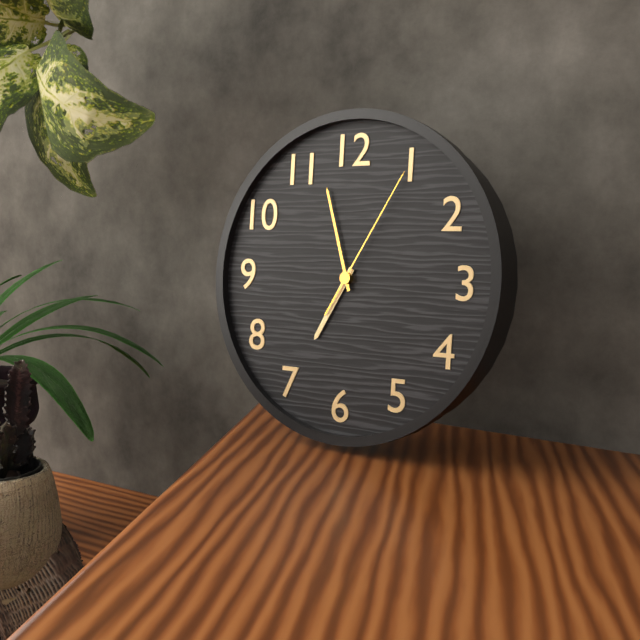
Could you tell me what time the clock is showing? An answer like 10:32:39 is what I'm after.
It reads 6:57:05
